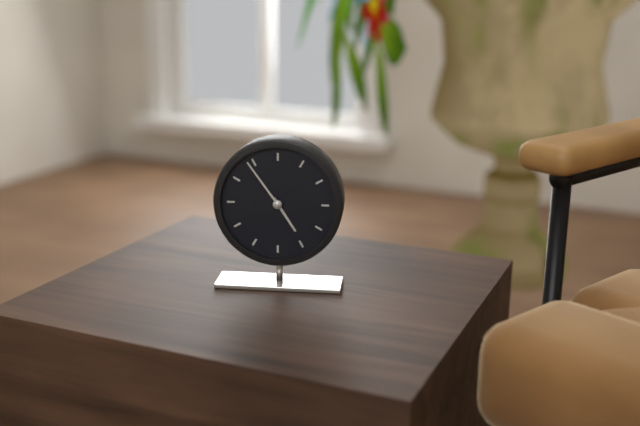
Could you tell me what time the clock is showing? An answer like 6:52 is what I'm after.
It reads 4:54
